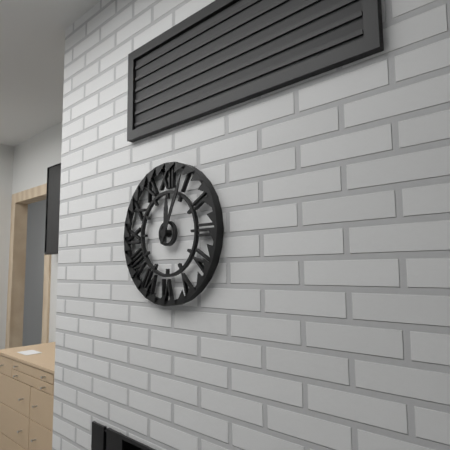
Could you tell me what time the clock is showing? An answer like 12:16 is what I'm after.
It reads 12:04
